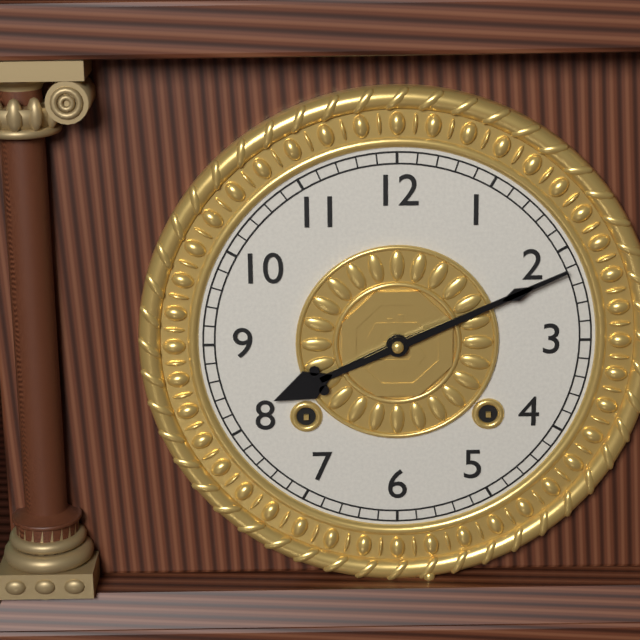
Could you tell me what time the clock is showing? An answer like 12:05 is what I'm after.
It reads 8:11
